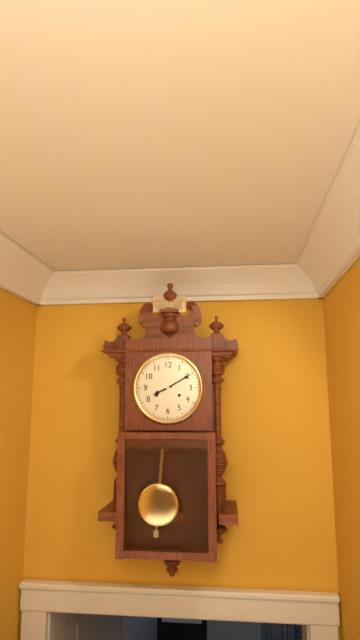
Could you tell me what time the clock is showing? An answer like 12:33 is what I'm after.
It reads 8:10
